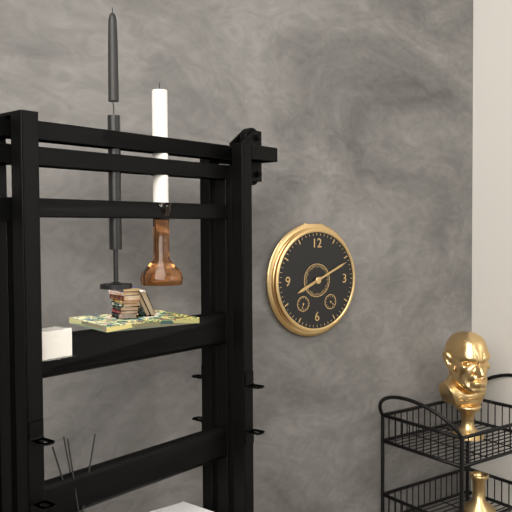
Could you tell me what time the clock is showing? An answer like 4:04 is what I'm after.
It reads 8:11
